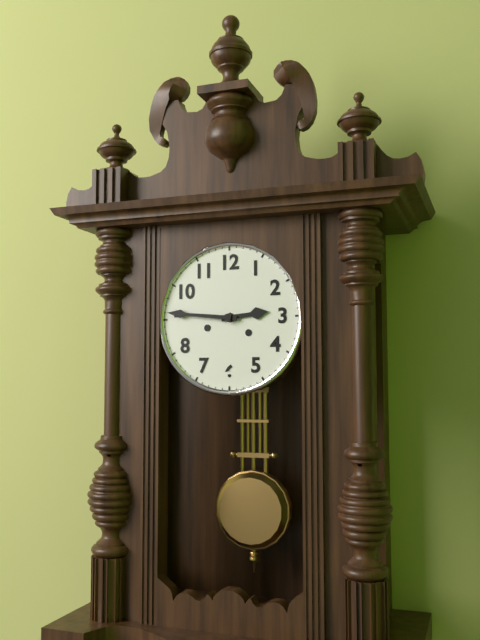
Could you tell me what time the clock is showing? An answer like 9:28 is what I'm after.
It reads 2:46
